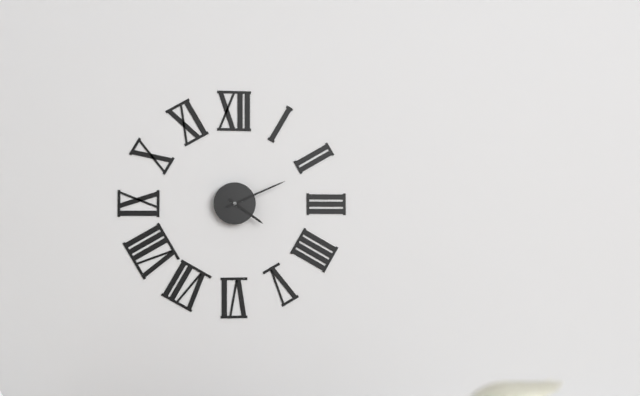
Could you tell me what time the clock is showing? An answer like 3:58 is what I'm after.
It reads 4:11
